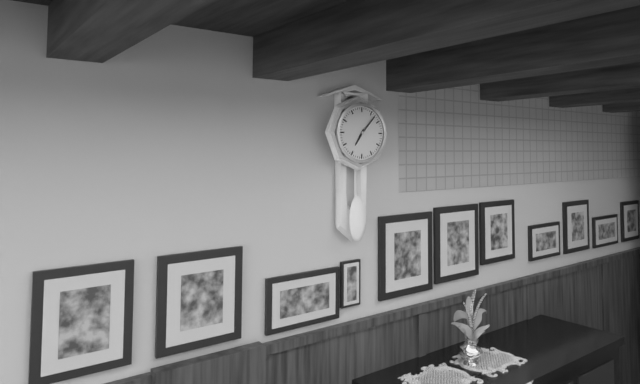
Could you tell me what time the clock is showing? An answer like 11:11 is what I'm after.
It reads 7:07
